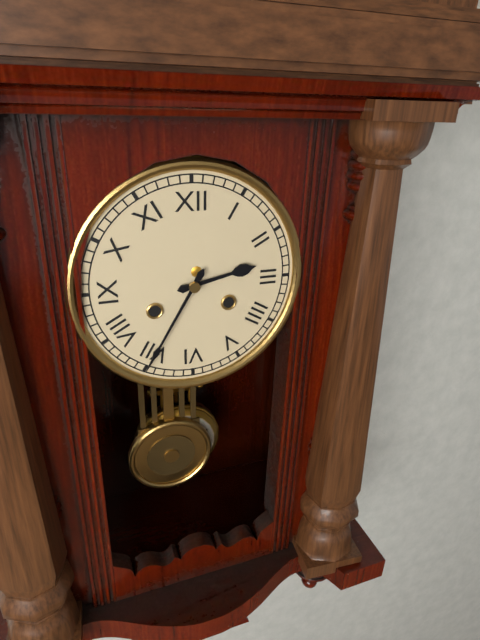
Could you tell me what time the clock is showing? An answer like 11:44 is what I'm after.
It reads 2:35
